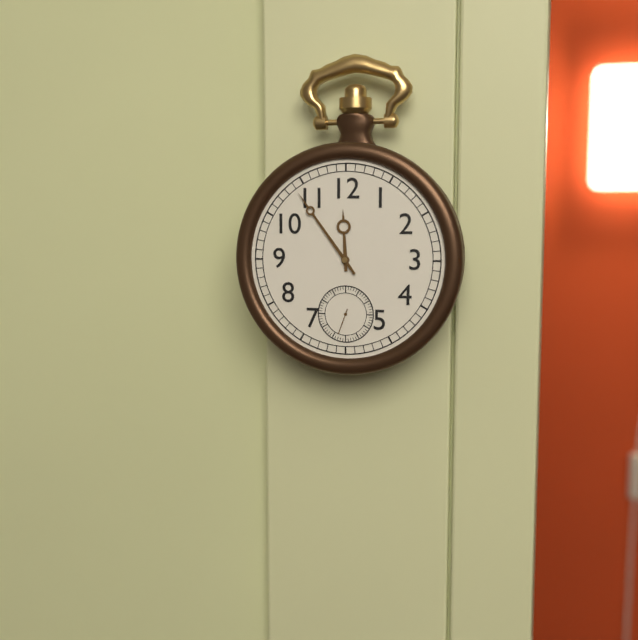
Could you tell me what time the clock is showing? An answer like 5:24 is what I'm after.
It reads 11:54
